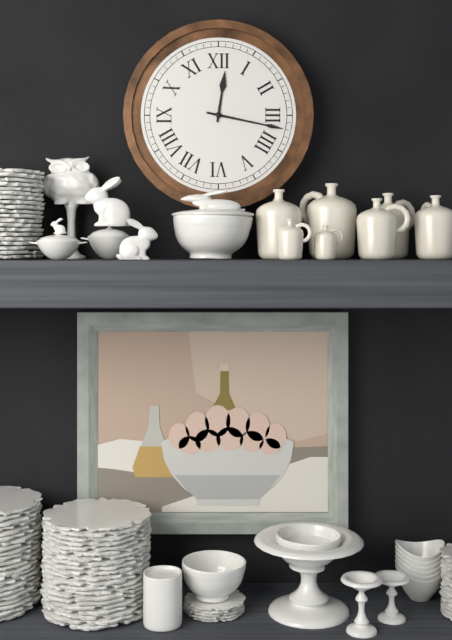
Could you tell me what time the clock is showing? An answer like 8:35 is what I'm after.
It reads 12:17
